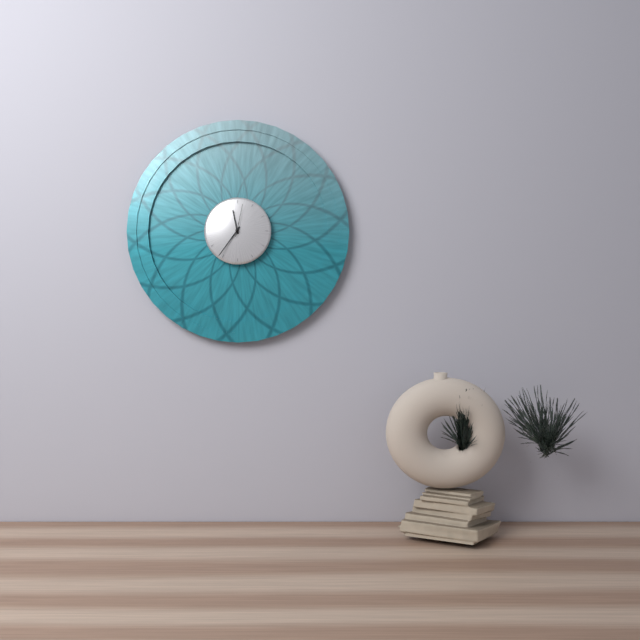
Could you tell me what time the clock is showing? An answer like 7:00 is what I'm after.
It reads 11:36
